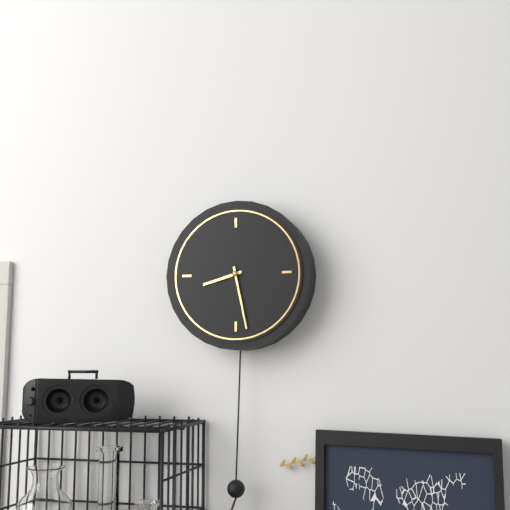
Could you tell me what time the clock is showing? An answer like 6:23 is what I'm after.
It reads 8:28
